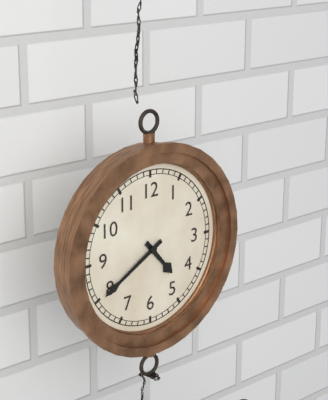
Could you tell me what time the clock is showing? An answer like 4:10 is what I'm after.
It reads 4:40
